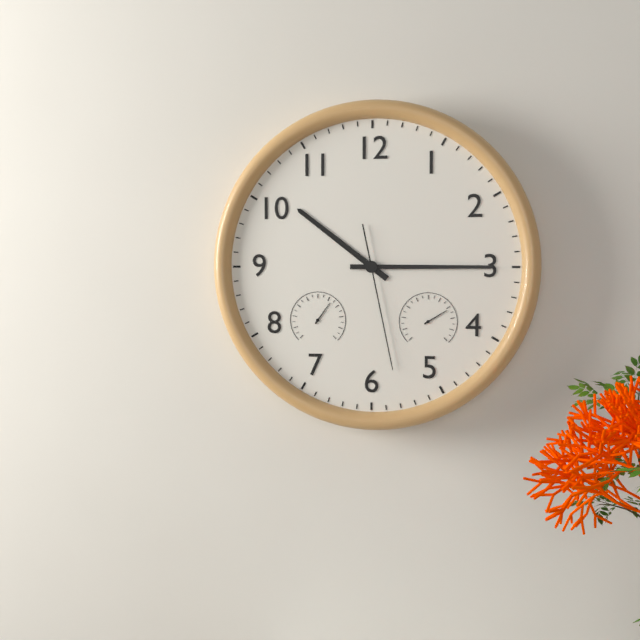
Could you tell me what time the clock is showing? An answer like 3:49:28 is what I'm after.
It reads 10:15:28
